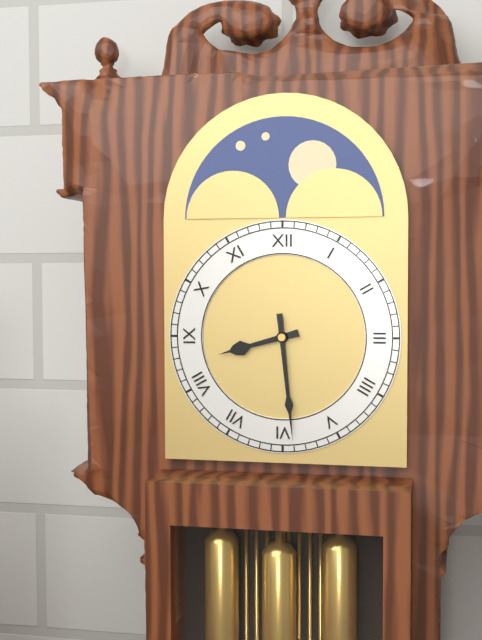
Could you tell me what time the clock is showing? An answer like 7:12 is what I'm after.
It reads 8:29
